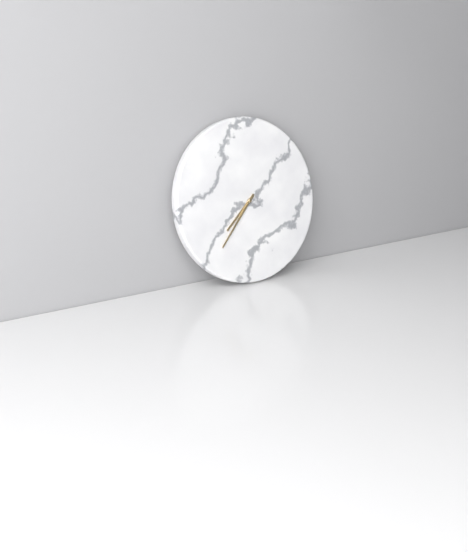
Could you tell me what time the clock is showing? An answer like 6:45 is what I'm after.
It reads 7:37
